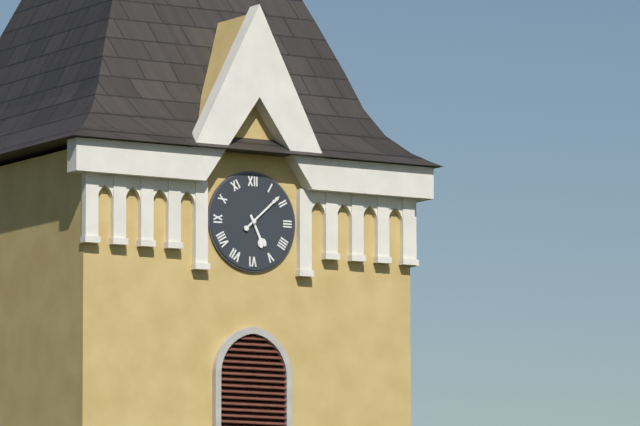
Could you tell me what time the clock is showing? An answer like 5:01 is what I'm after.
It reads 5:08
